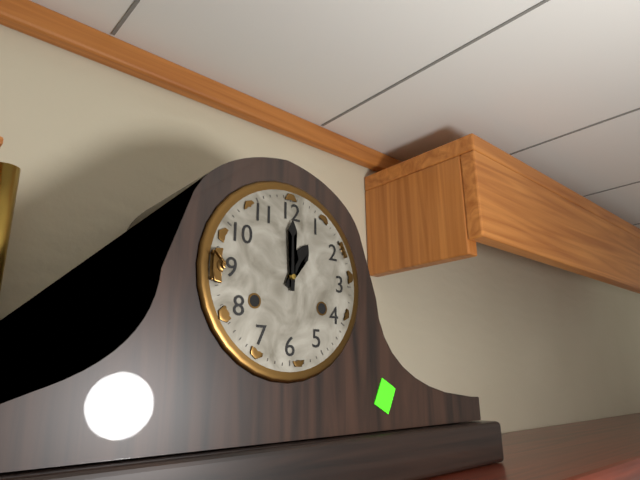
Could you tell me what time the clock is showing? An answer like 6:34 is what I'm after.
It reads 1:00
